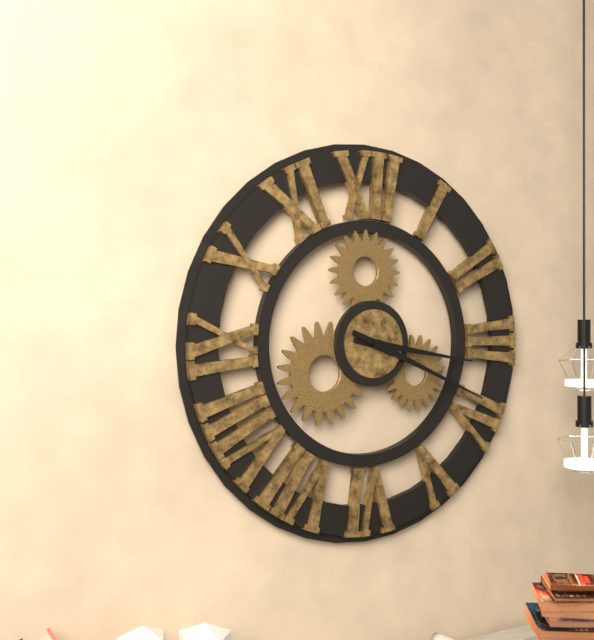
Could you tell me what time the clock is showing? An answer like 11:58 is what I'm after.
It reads 3:19
